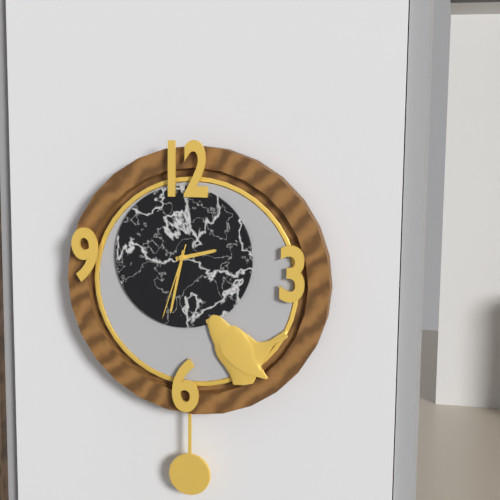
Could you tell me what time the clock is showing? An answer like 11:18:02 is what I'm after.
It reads 2:32:33
